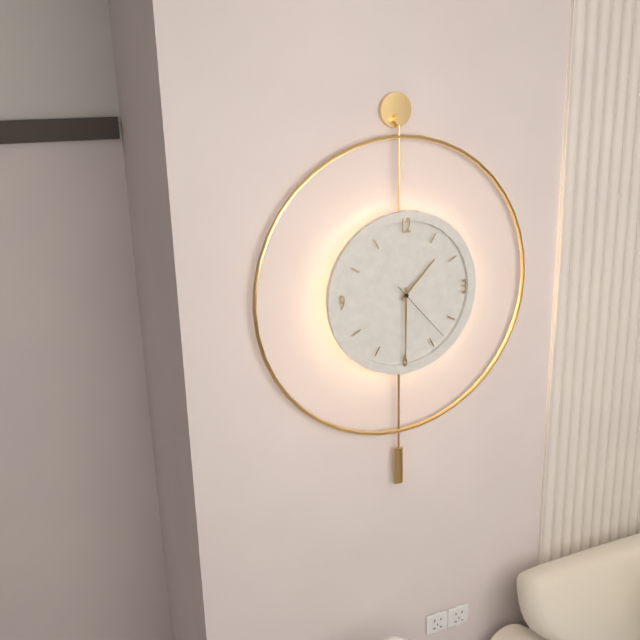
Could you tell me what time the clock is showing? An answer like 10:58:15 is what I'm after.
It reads 1:30:23
